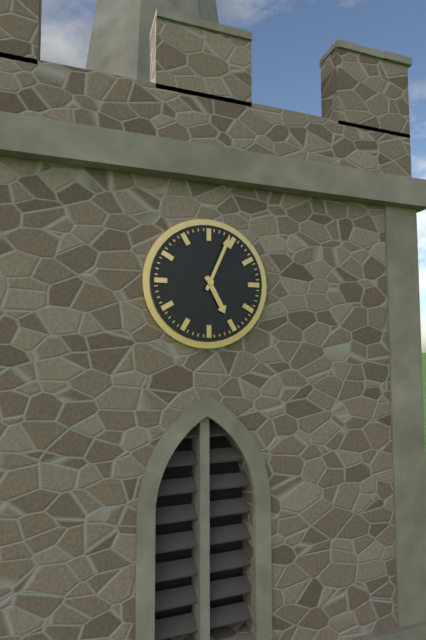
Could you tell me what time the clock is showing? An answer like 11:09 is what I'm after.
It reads 5:04
